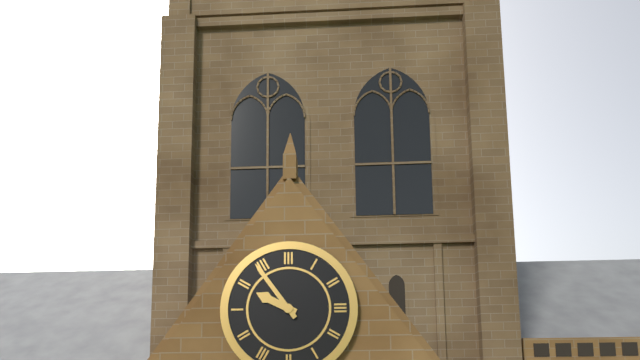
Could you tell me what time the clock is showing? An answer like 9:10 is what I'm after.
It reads 9:54
